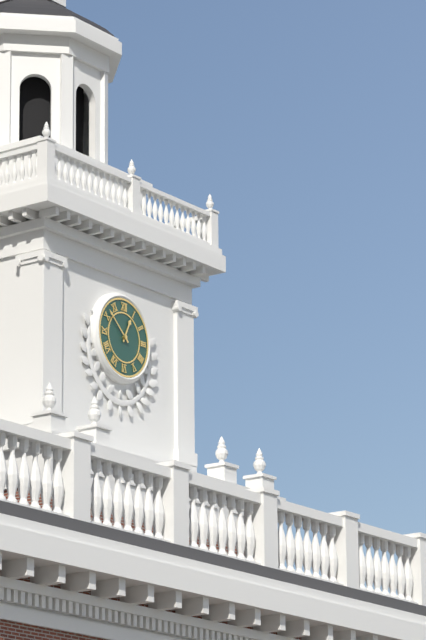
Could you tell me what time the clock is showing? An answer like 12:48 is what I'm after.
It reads 12:52
